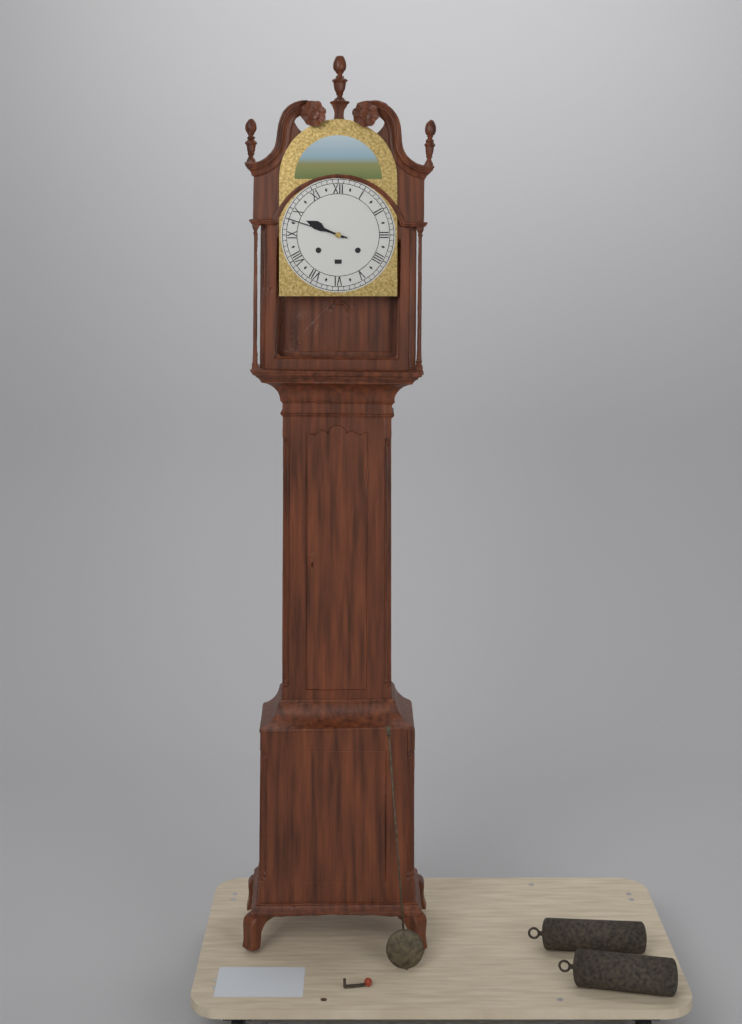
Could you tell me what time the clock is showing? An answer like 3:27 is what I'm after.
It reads 9:48
